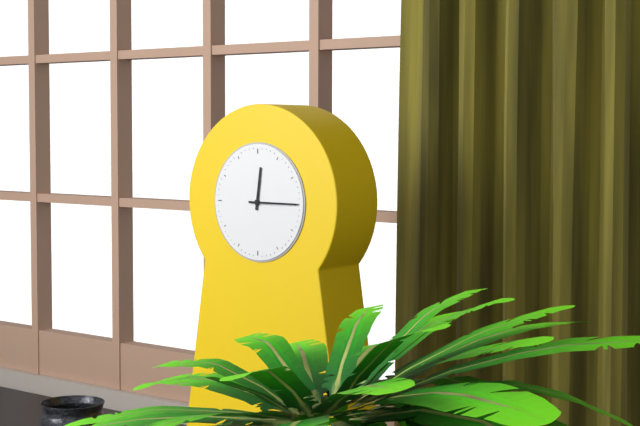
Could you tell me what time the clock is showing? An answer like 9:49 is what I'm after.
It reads 12:15
